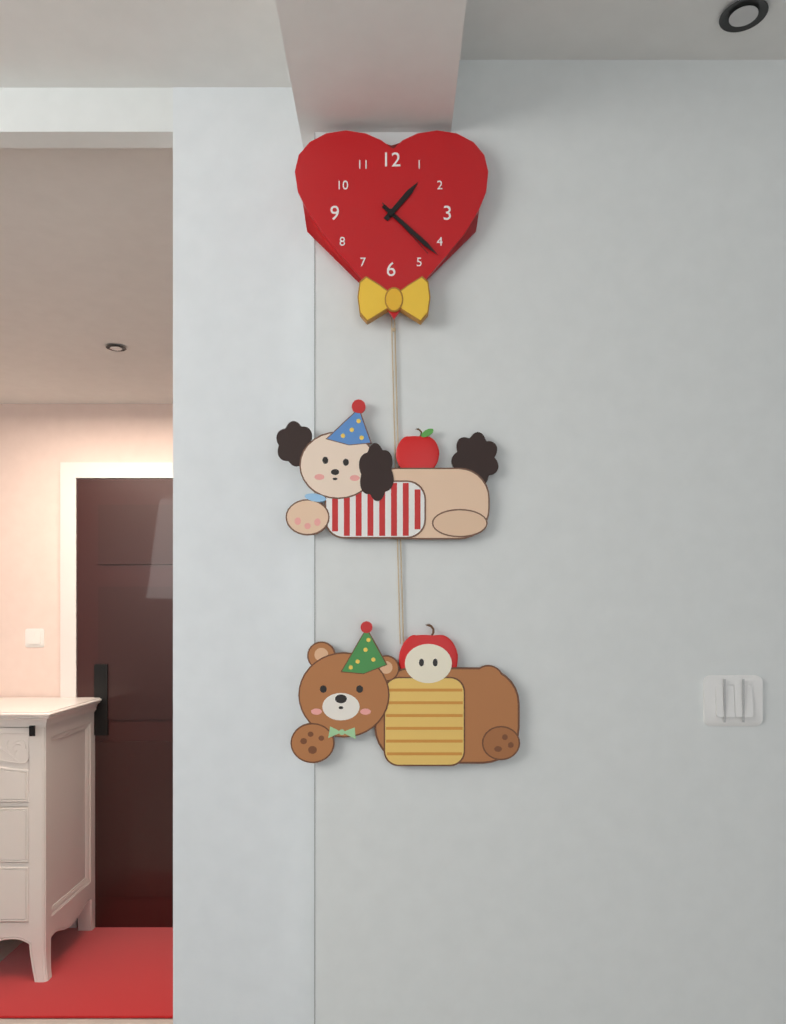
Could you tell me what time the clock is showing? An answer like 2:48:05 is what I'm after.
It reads 1:22:23
